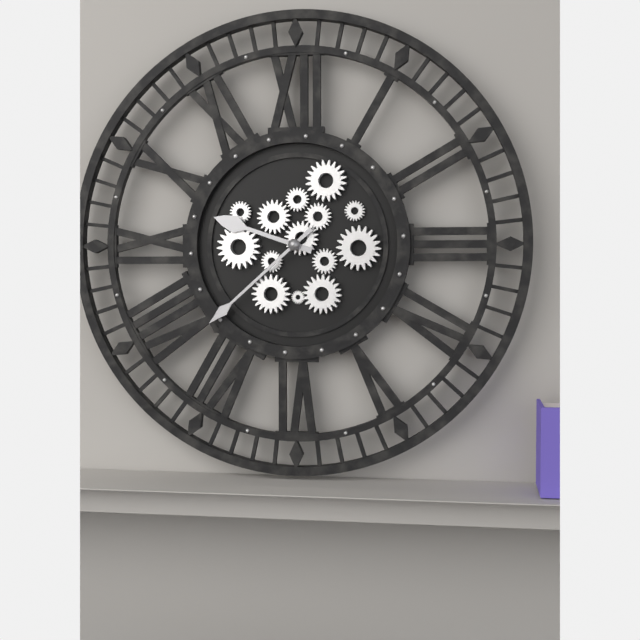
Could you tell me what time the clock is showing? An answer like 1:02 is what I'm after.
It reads 9:38
